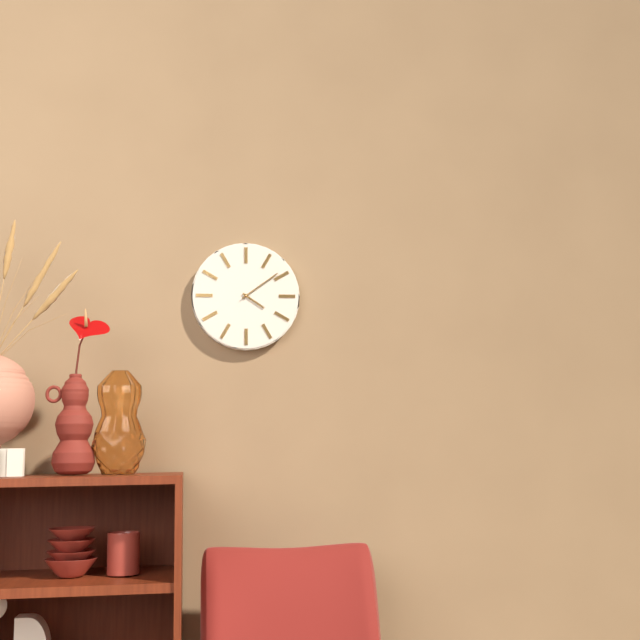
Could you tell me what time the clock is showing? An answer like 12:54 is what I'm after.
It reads 4:09
